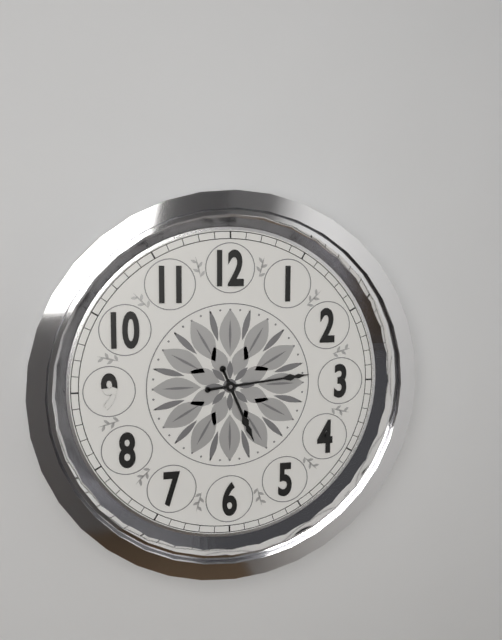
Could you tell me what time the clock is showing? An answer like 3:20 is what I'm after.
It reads 5:14
